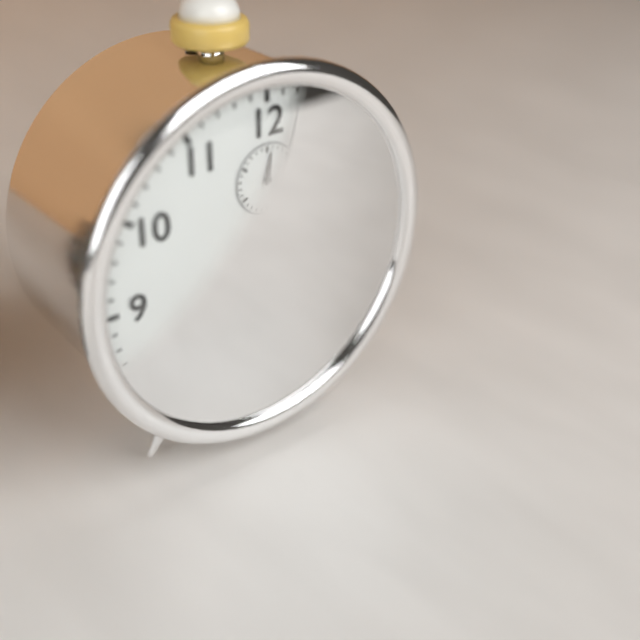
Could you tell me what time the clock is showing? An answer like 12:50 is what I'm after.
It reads 5:02
